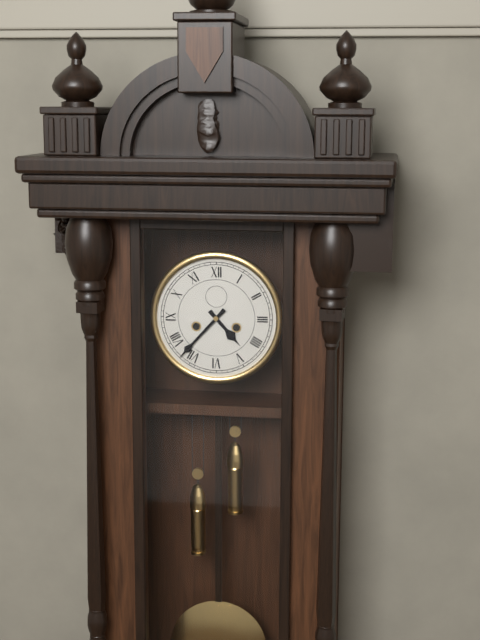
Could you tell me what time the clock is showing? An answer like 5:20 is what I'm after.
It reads 4:37
